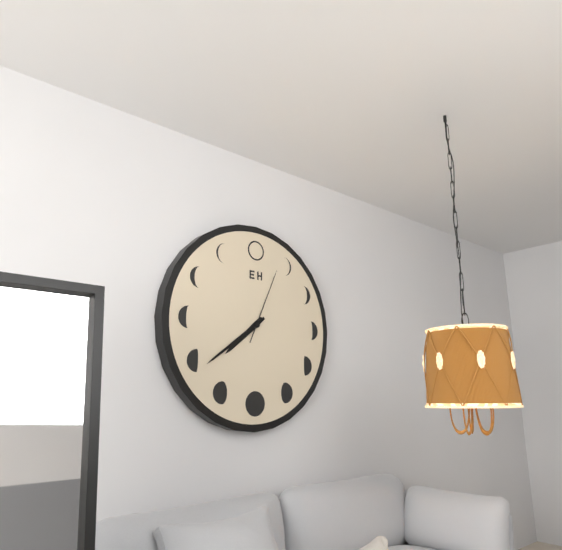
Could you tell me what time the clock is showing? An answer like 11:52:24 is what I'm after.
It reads 7:39:04
